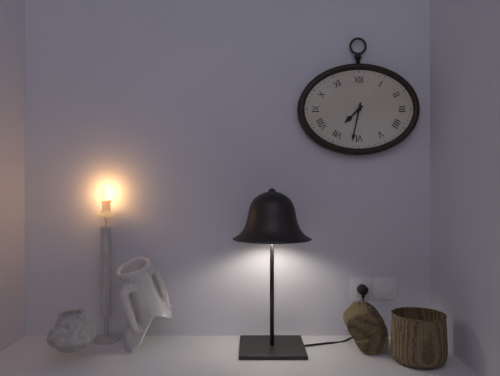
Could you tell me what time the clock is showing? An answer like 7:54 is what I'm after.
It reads 7:32
